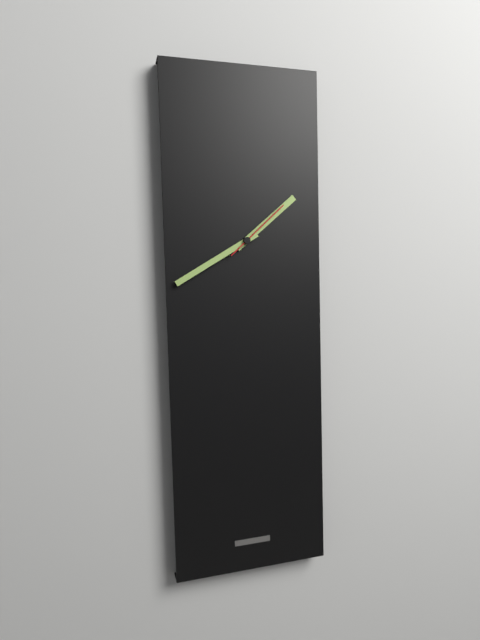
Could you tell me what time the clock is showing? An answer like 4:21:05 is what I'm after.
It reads 1:40:08
